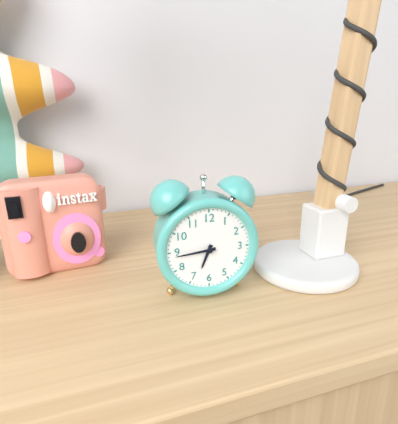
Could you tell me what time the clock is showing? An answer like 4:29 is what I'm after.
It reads 6:44
